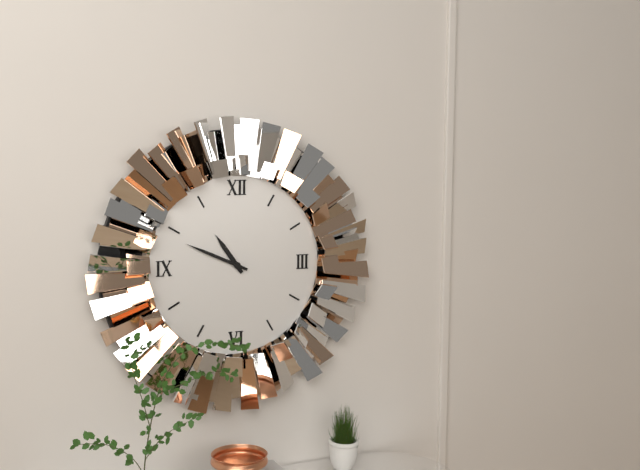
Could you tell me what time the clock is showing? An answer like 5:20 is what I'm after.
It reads 10:49
